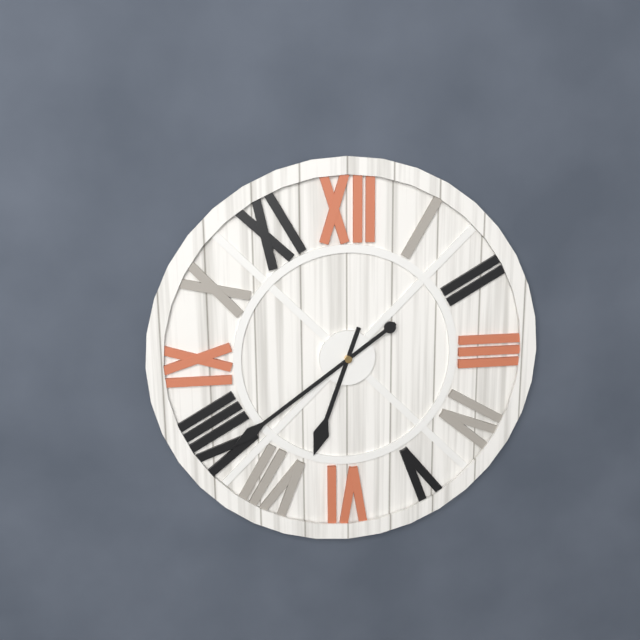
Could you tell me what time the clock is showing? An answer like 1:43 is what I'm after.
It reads 6:39
